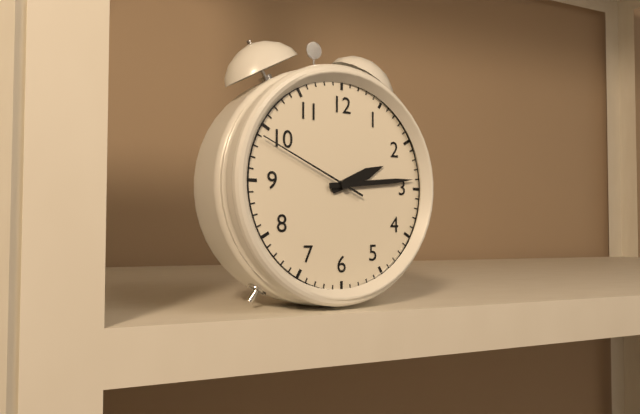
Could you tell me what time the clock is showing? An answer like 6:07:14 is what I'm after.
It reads 2:14:49
